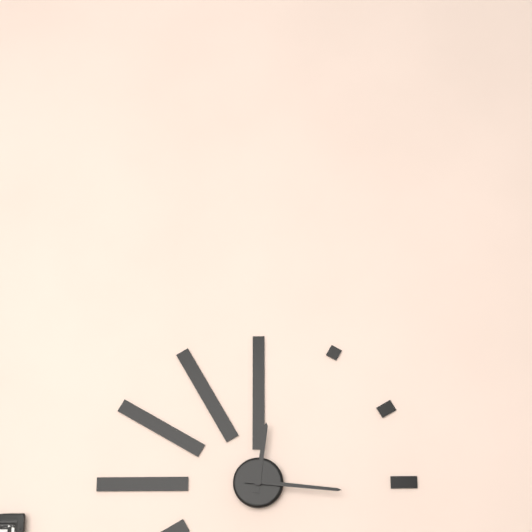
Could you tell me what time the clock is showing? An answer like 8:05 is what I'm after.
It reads 12:16
